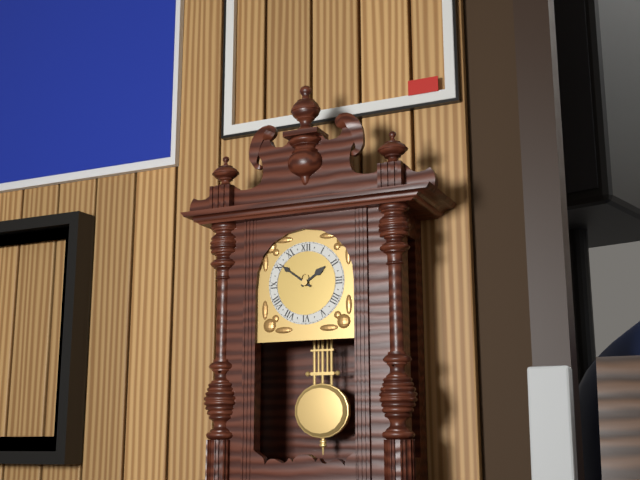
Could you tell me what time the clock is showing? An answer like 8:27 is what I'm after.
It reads 1:51
